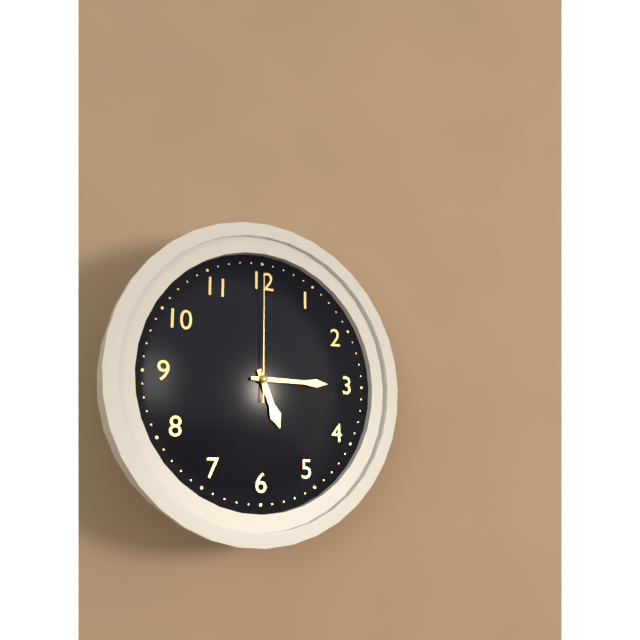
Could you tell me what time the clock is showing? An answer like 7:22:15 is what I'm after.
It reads 5:15:00
